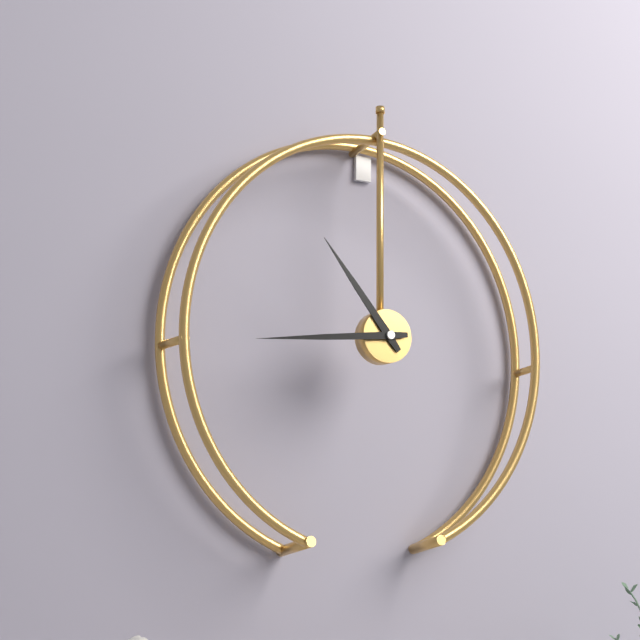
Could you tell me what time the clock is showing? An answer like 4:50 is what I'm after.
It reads 10:44
